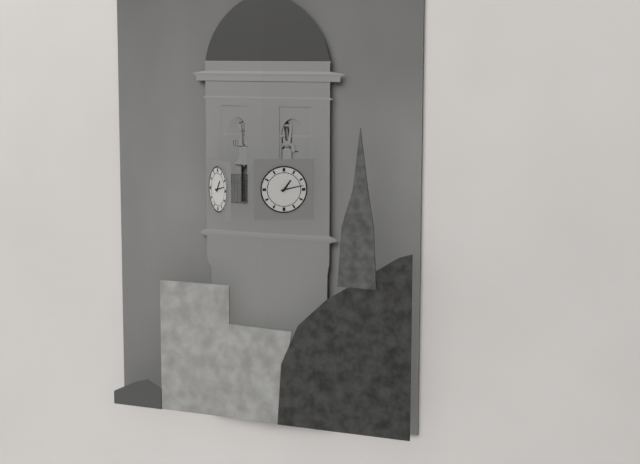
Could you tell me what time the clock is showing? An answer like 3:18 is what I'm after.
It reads 1:13
